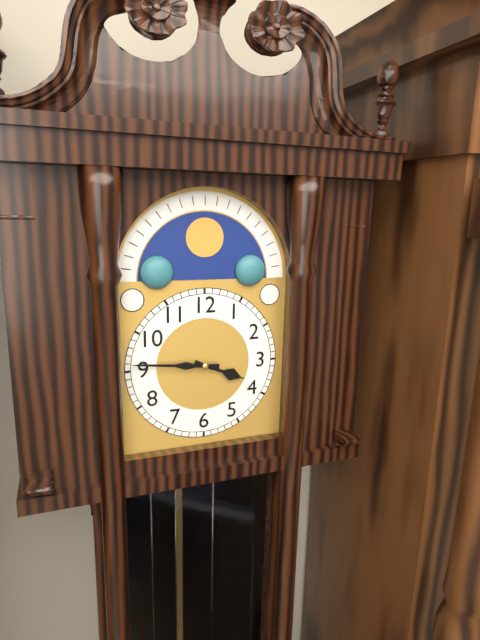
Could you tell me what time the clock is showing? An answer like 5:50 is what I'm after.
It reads 3:46
